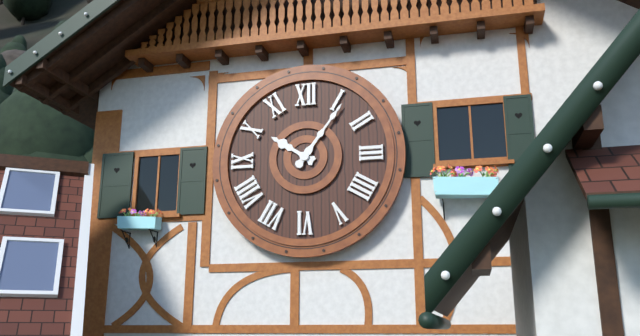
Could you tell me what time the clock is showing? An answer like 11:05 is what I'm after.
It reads 10:06
